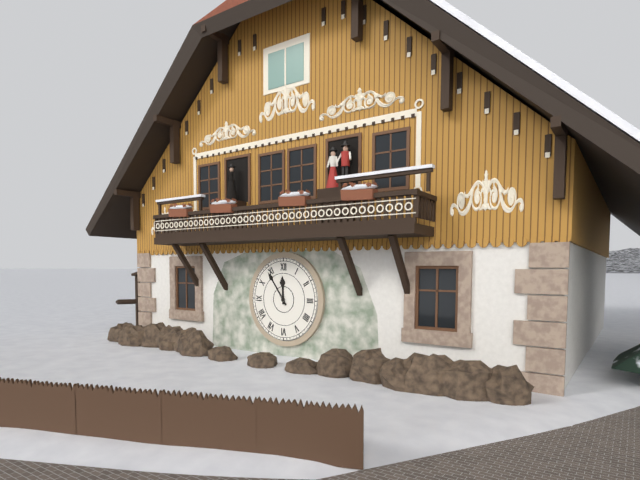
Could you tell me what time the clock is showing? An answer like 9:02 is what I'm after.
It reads 11:54
